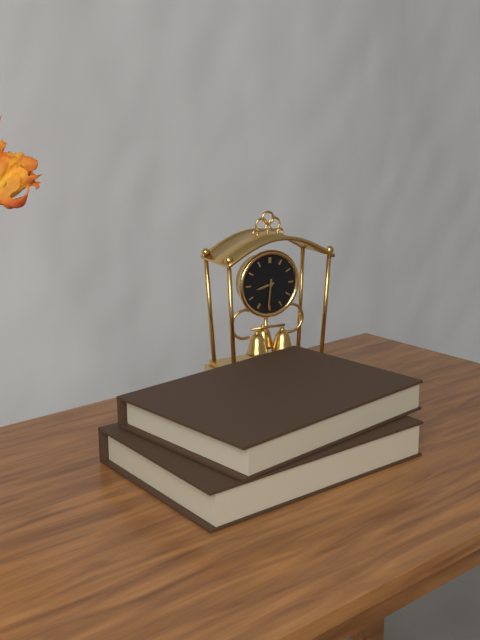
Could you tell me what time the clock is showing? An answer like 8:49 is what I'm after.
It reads 8:31
